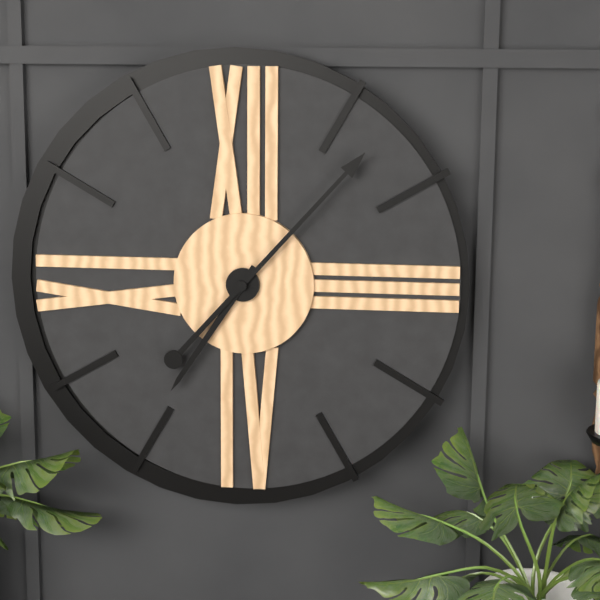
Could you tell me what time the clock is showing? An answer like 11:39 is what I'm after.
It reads 7:07
